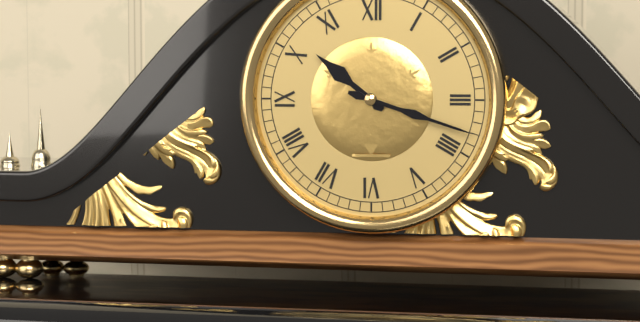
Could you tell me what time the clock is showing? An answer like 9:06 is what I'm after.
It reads 10:18
